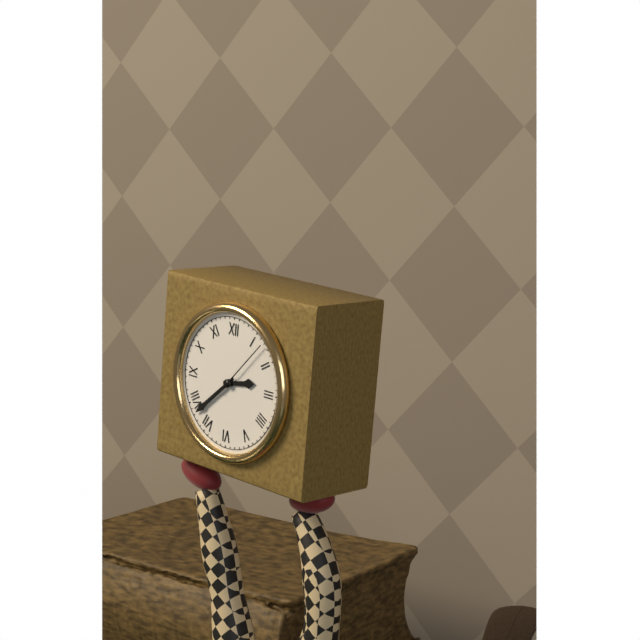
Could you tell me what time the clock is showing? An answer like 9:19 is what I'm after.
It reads 2:38
